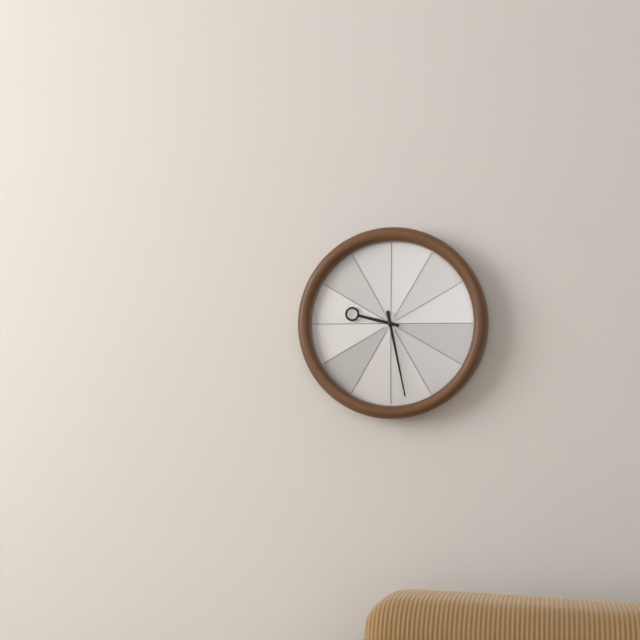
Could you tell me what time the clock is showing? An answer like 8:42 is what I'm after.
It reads 9:28
